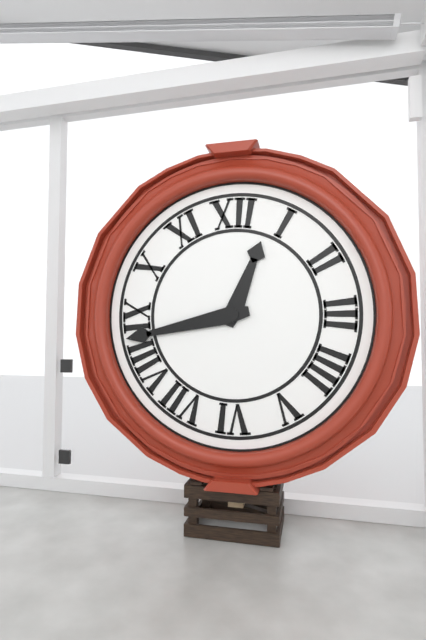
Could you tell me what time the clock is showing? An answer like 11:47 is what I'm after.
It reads 12:43
